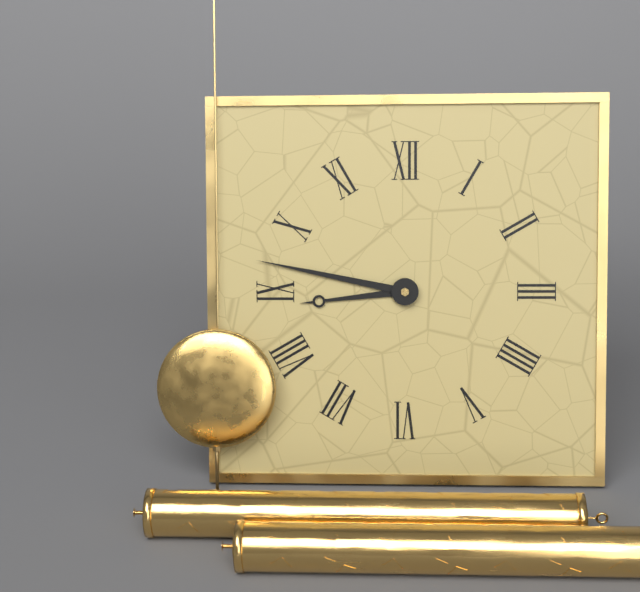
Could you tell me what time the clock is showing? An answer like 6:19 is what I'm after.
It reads 8:47
